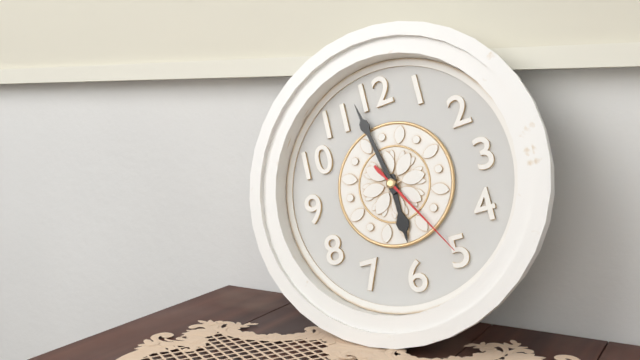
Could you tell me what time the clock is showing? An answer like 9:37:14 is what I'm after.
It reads 5:58:25
